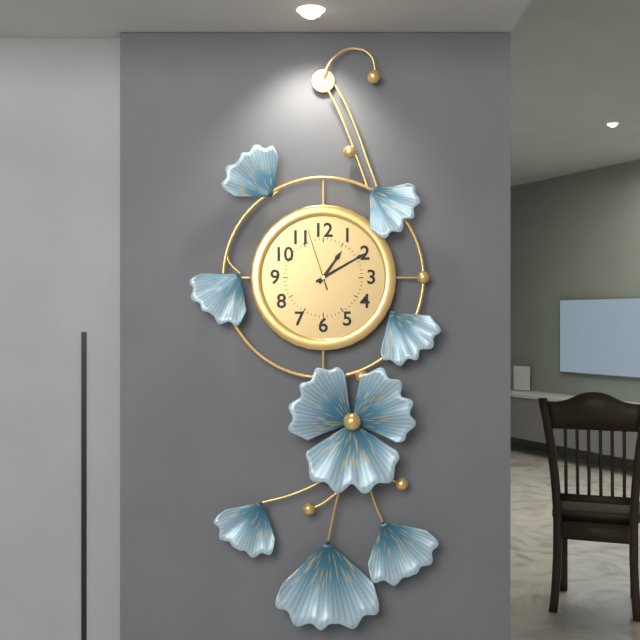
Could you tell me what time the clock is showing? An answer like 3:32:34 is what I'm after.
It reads 1:10:57
